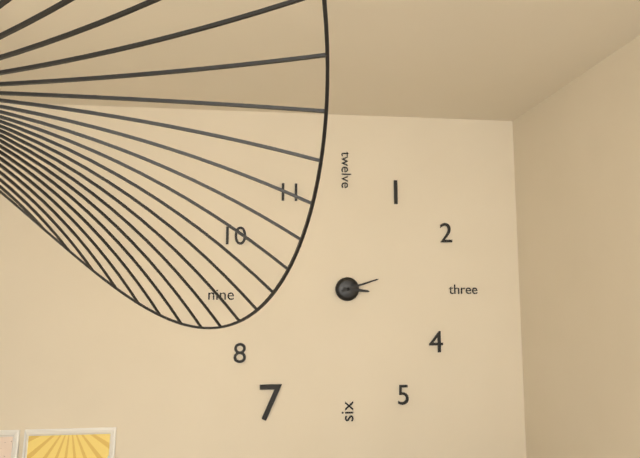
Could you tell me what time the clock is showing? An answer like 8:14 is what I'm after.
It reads 3:12
